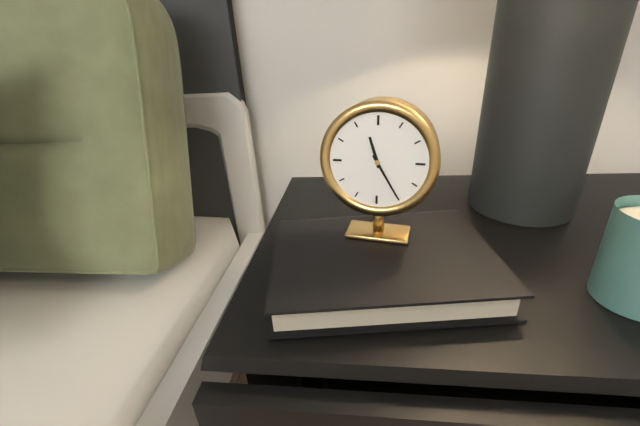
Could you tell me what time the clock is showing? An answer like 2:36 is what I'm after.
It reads 11:25
